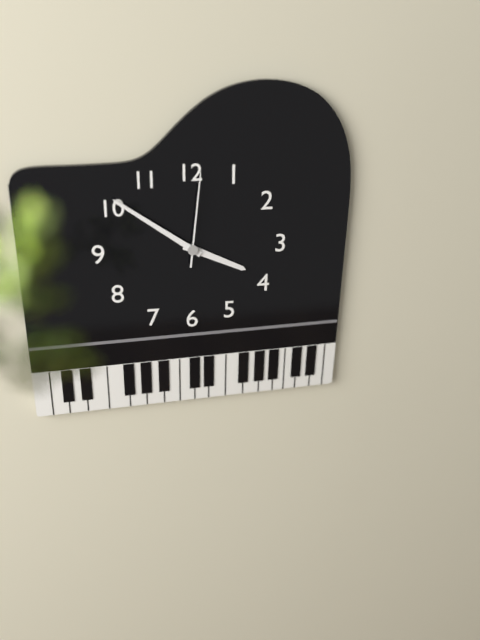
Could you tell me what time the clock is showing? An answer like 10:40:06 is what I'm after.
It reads 3:51:01
